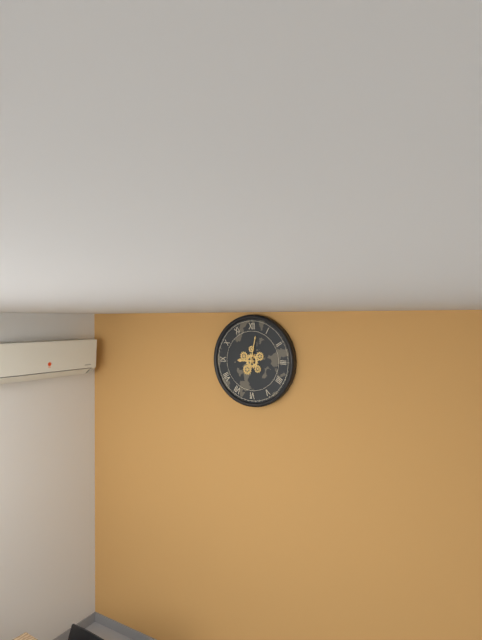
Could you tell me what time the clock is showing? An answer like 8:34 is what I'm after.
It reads 9:02
